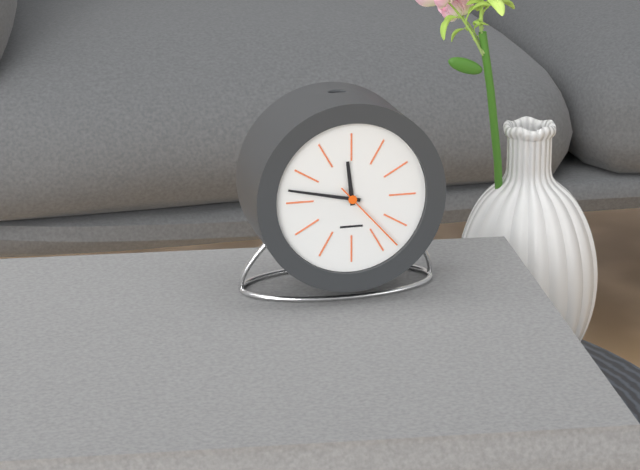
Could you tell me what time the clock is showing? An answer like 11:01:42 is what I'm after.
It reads 11:47:23
